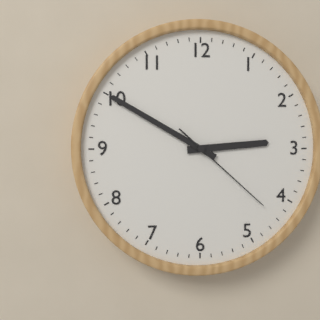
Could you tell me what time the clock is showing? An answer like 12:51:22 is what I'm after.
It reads 2:50:22
